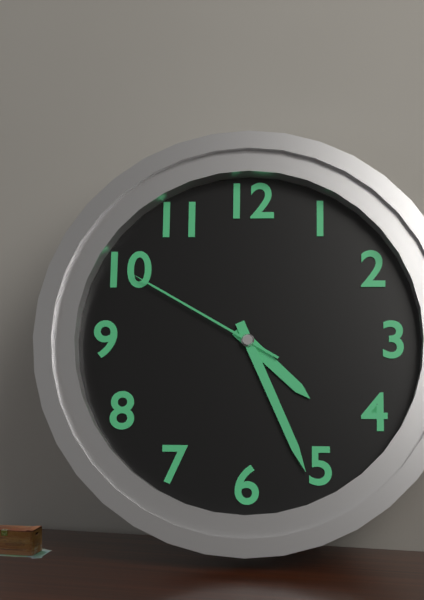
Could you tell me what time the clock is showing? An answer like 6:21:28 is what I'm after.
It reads 4:26:50
